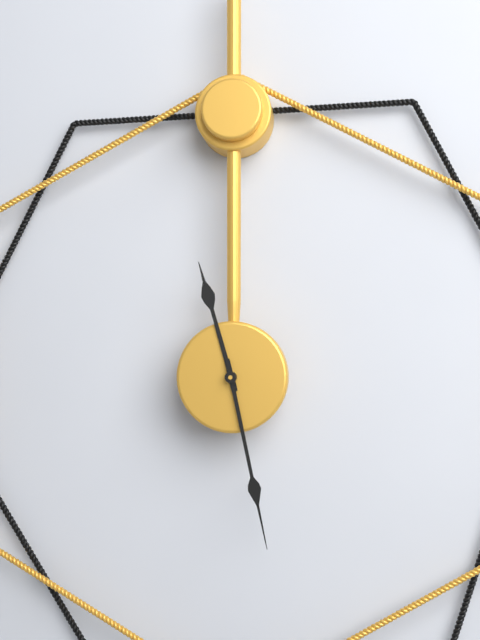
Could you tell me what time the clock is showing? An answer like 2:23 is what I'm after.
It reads 11:28
